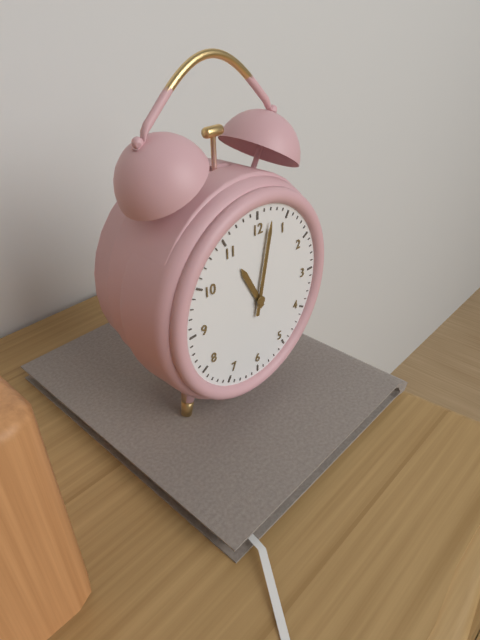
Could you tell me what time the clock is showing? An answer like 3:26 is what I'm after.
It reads 11:02
